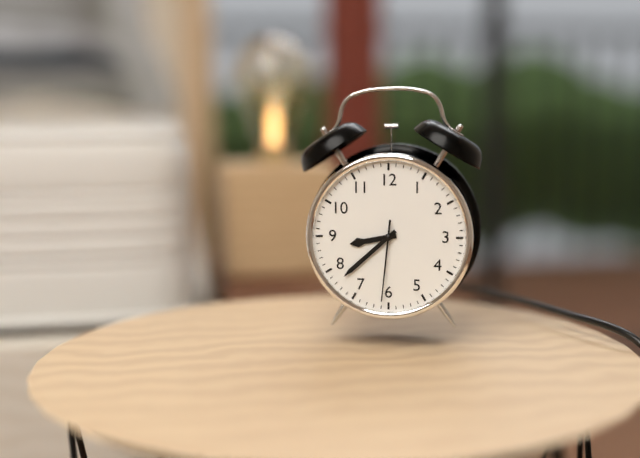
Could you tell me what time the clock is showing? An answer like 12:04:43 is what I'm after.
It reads 8:38:31
